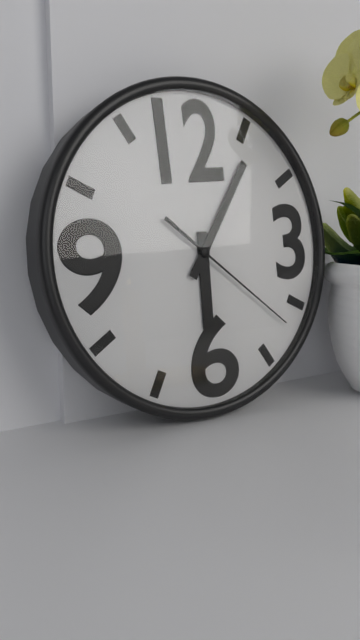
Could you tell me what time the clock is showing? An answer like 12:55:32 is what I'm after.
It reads 6:06:22
